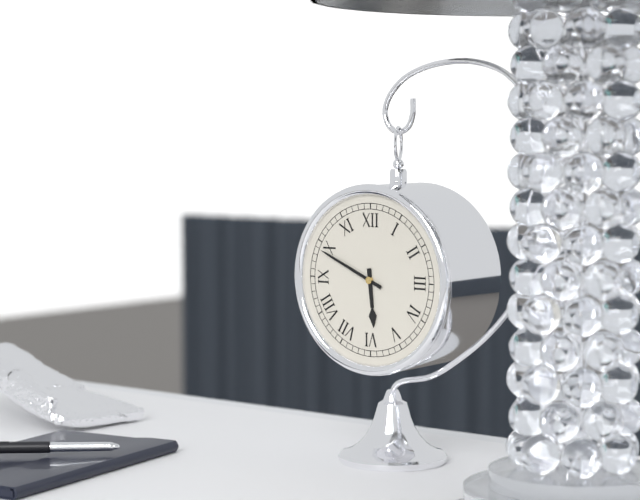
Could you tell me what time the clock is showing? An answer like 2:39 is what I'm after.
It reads 5:49
